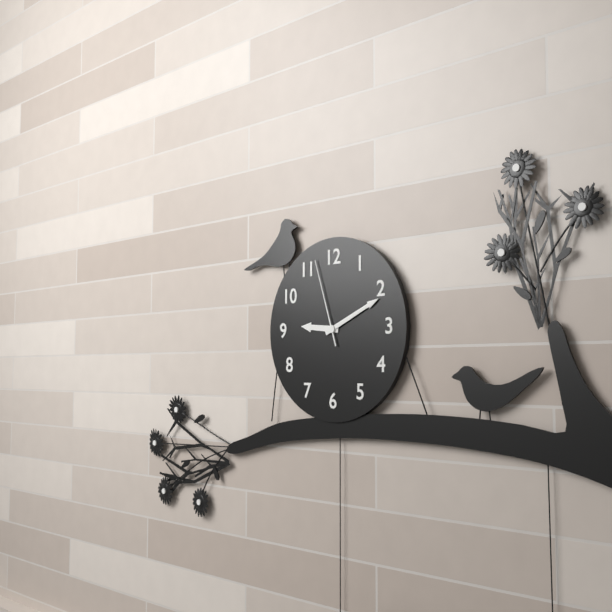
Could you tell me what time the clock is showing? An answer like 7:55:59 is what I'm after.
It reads 9:11:57
